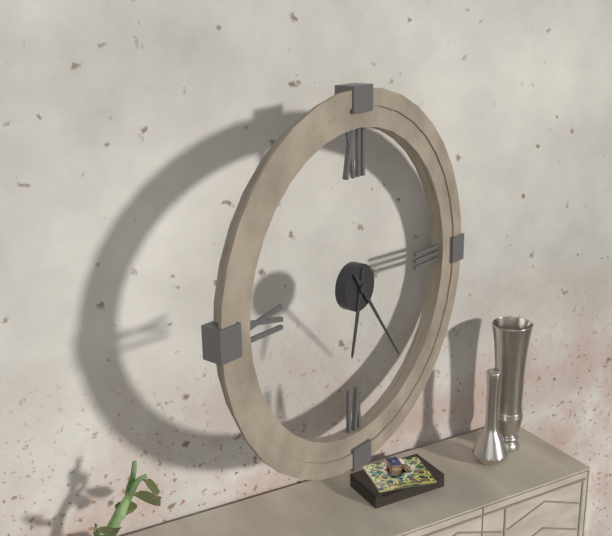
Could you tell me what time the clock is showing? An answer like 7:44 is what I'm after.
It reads 6:24
